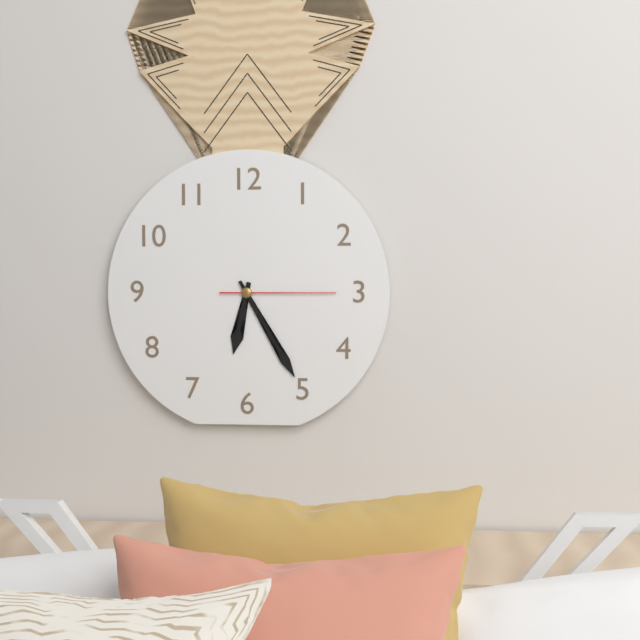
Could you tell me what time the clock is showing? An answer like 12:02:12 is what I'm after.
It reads 6:25:15
